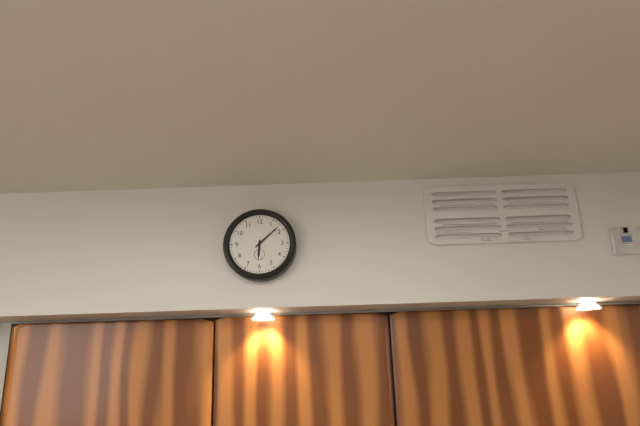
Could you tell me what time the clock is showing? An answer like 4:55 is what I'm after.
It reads 6:08
